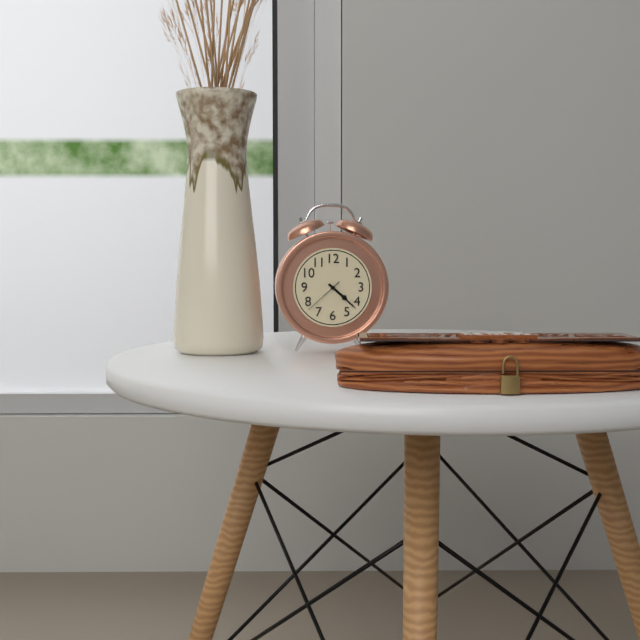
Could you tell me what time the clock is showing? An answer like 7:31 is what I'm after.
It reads 4:22
